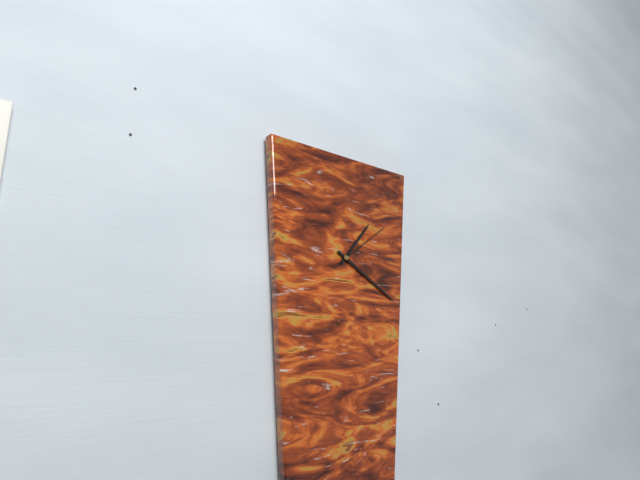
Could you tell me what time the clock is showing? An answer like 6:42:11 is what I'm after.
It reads 1:20:09
